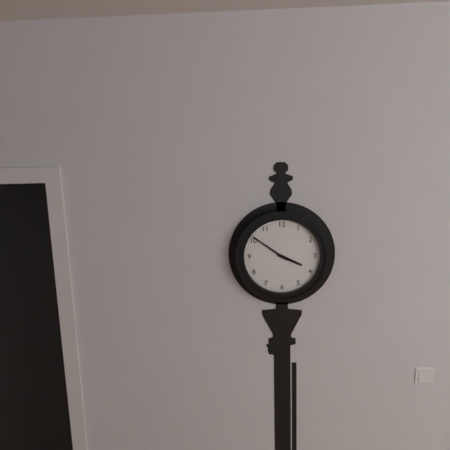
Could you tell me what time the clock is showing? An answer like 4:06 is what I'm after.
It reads 3:51
